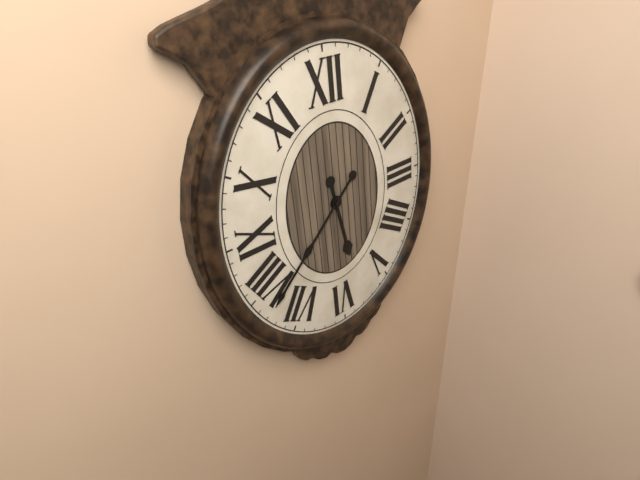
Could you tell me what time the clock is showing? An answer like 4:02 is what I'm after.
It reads 5:38
